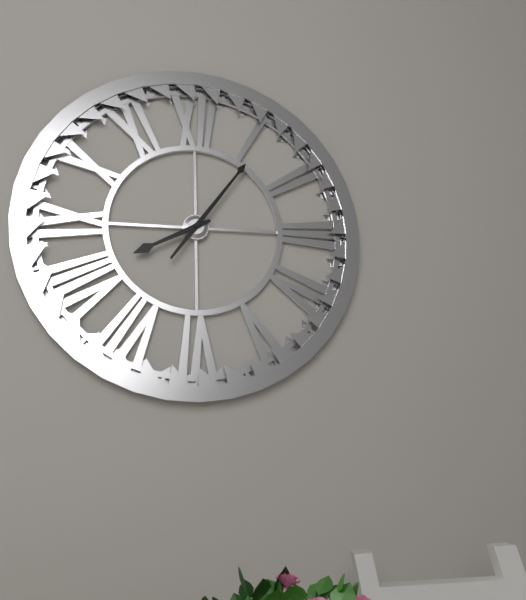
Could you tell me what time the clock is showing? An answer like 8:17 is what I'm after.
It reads 8:06
